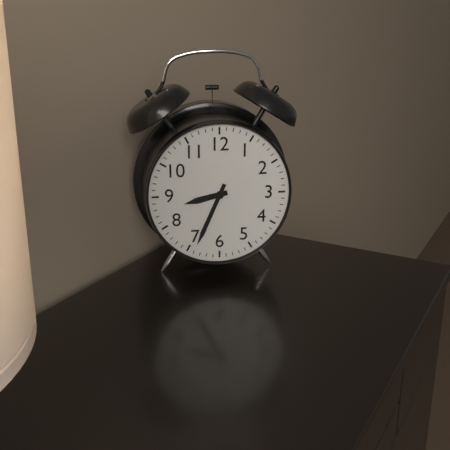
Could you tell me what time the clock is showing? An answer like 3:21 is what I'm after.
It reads 8:34
